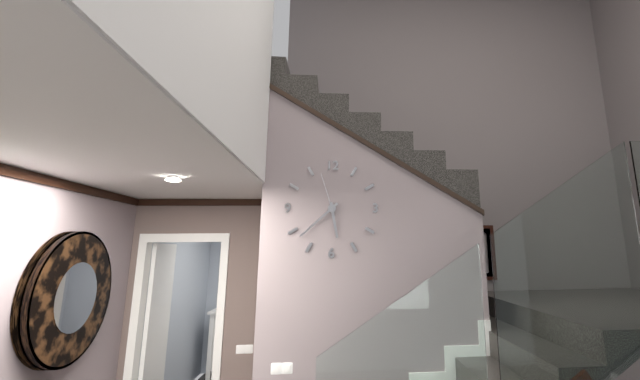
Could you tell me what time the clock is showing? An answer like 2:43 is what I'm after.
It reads 5:38
